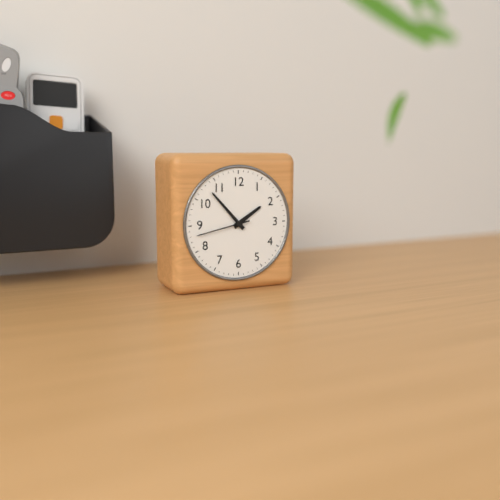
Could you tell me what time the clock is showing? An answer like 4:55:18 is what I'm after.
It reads 1:53:43
